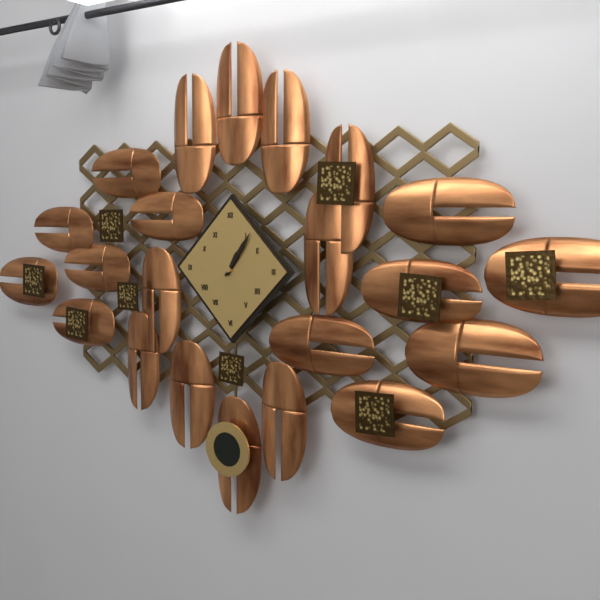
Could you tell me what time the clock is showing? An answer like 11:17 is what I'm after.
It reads 1:06
